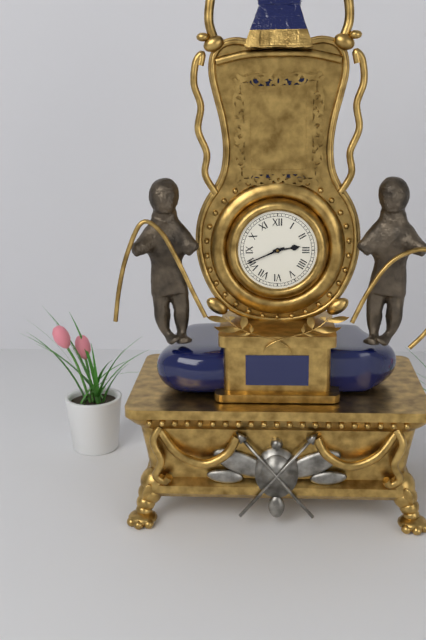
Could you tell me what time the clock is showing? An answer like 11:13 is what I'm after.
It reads 2:41
